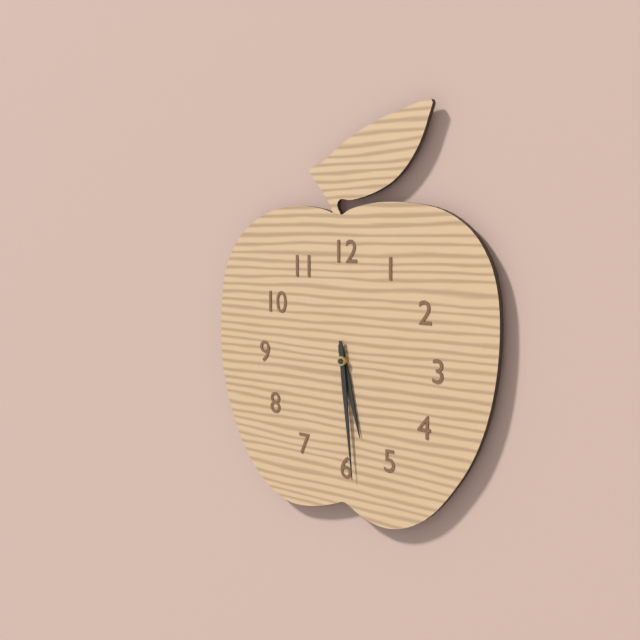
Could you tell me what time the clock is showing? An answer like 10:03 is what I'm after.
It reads 5:29
